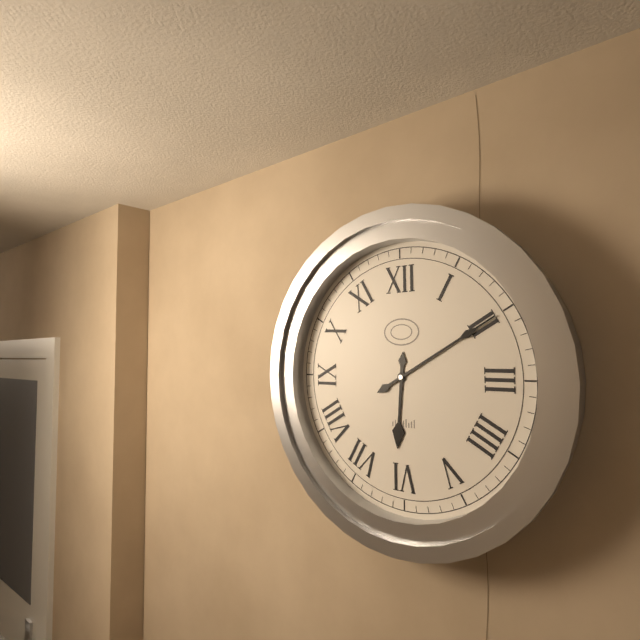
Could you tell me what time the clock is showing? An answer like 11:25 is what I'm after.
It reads 6:10
